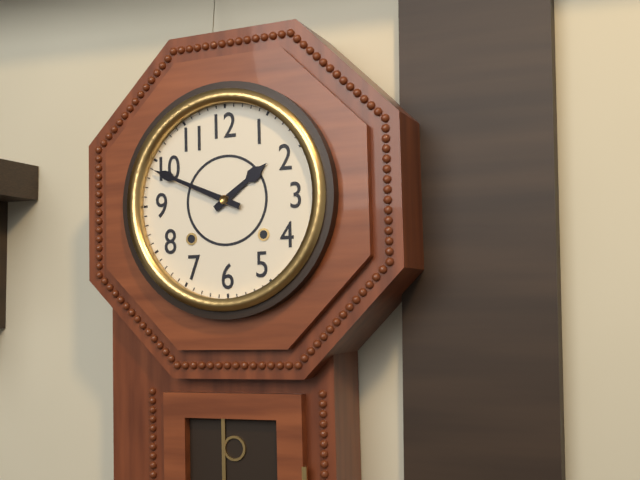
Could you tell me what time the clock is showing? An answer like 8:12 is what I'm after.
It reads 1:49
